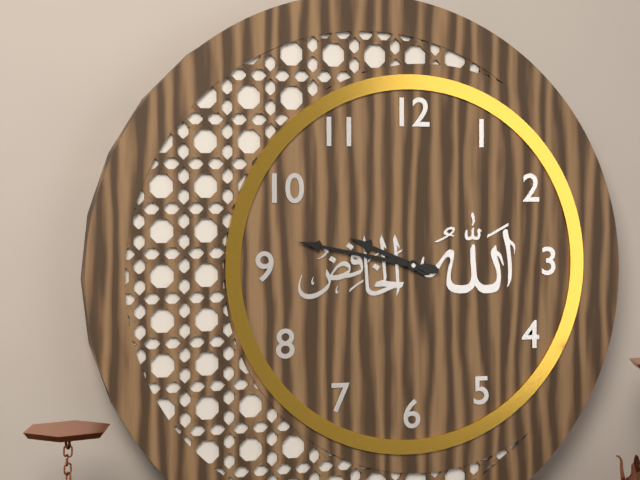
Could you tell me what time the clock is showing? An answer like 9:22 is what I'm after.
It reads 9:47
